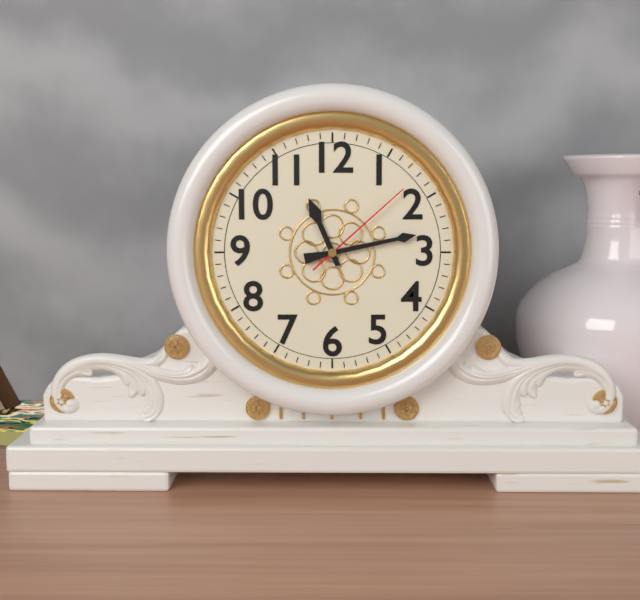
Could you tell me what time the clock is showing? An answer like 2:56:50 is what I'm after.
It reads 11:13:08
